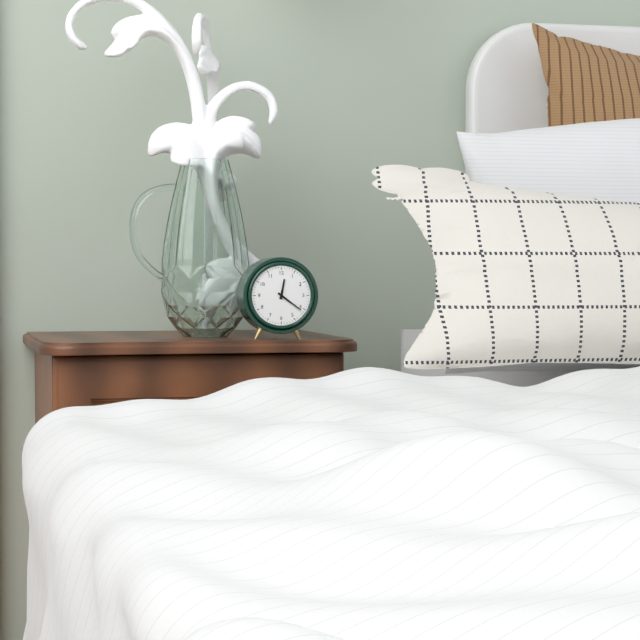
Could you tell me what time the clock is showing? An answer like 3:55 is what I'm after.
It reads 12:21
